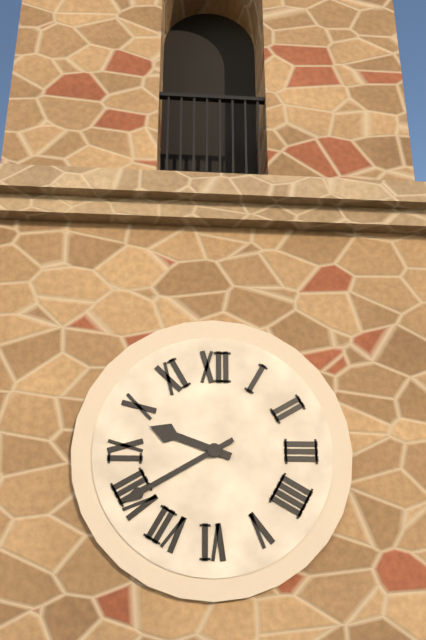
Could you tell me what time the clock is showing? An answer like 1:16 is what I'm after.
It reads 9:40
